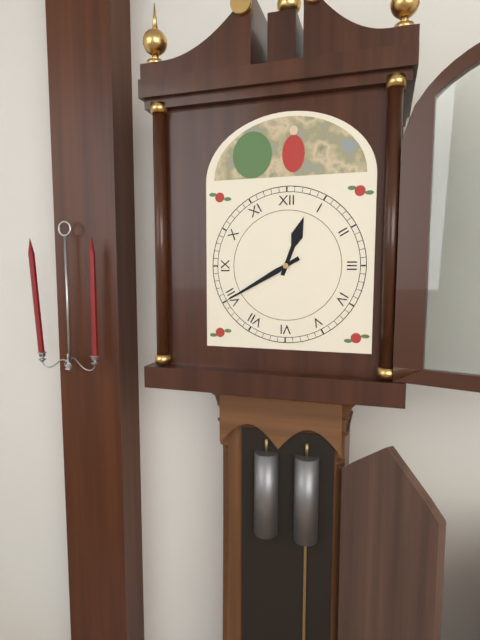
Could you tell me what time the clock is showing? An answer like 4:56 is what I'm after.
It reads 12:40
